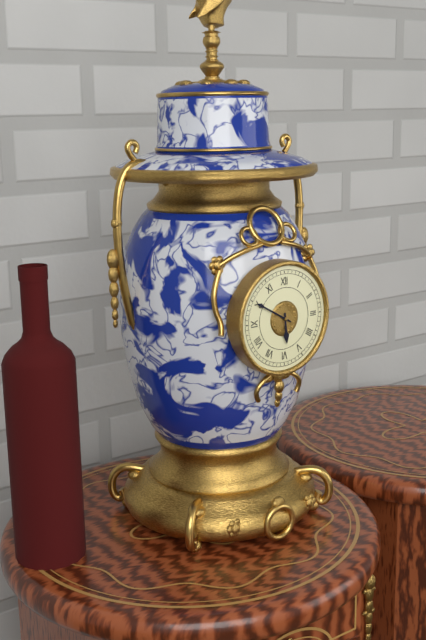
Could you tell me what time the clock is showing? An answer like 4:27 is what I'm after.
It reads 5:50
